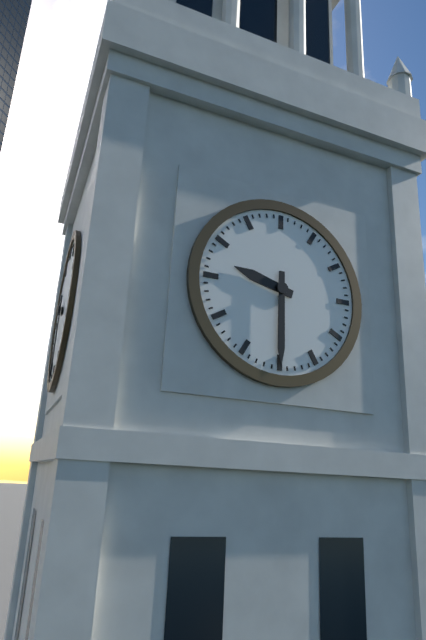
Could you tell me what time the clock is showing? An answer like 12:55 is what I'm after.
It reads 9:30
